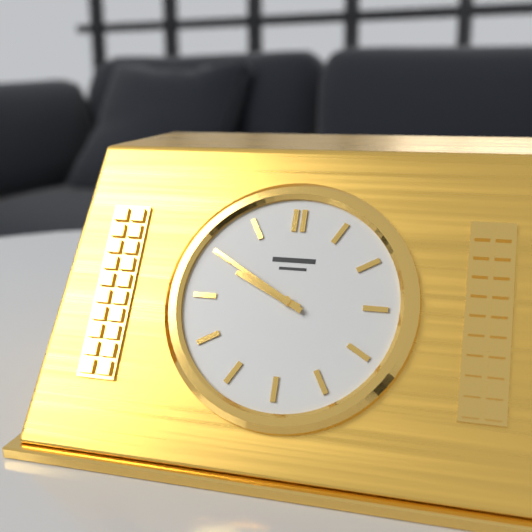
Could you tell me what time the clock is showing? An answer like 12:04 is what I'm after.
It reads 9:50
